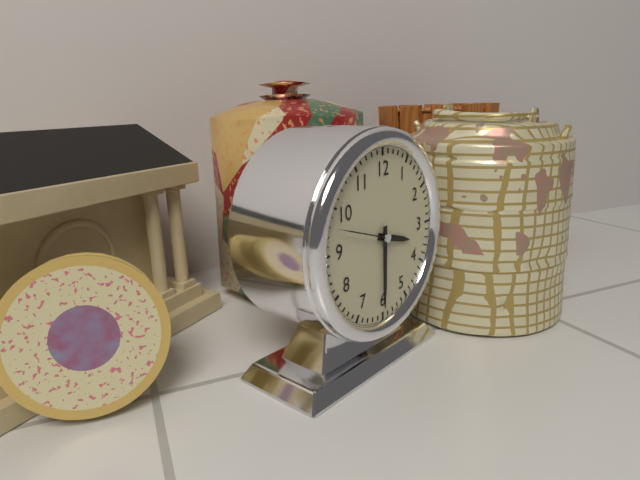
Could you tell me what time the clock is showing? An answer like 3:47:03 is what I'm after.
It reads 3:30:48
